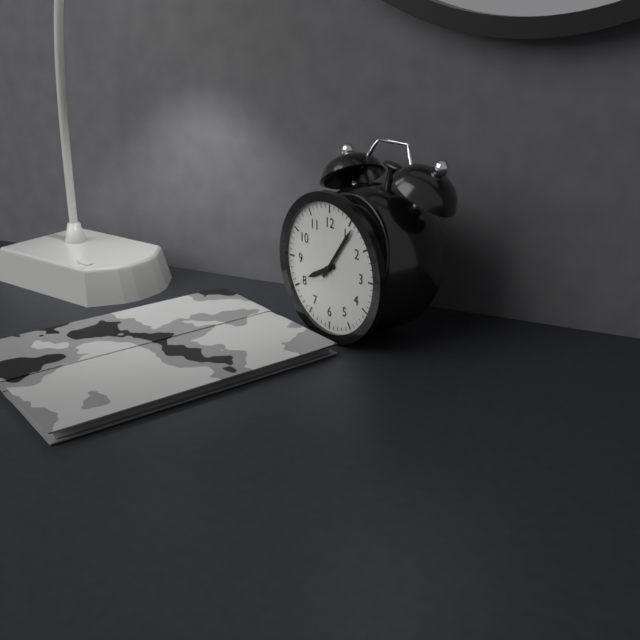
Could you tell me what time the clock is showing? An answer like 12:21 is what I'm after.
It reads 8:06
